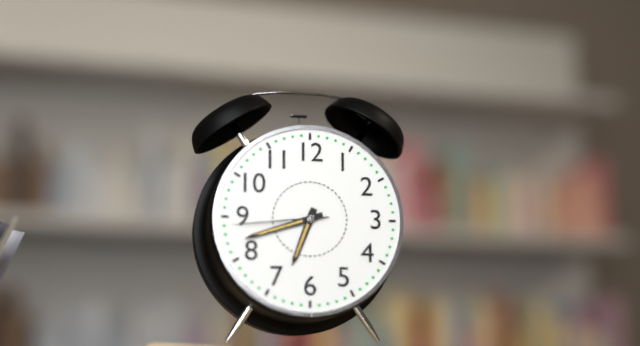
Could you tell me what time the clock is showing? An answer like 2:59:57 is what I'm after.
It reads 6:42:44
